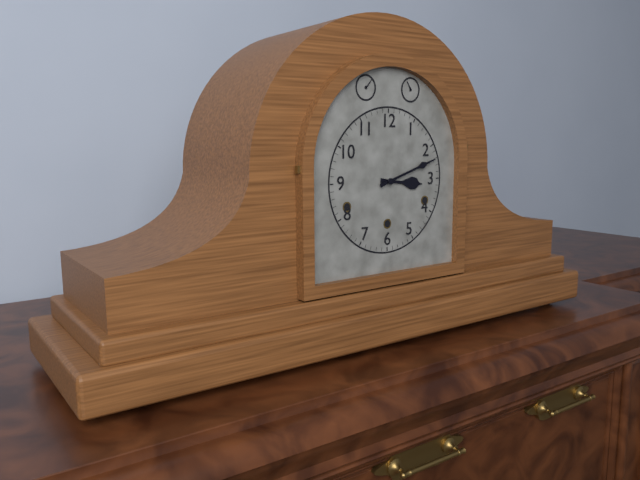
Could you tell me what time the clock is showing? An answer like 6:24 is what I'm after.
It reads 3:12
